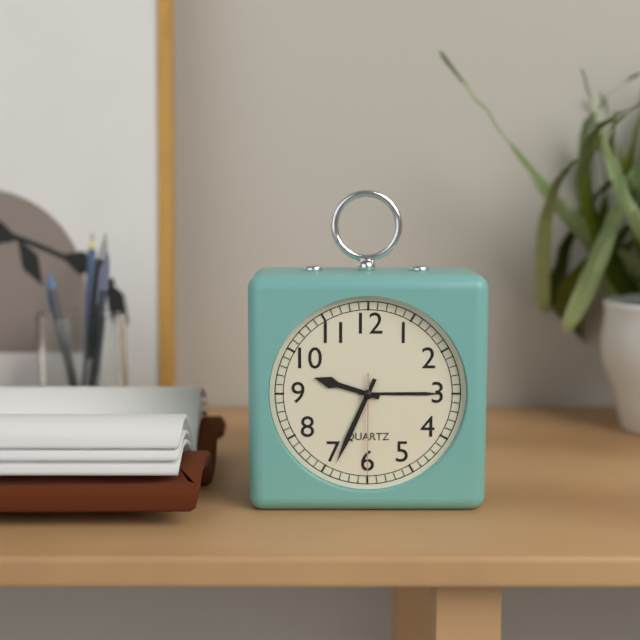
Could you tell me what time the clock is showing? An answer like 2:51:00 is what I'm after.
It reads 9:34:30
